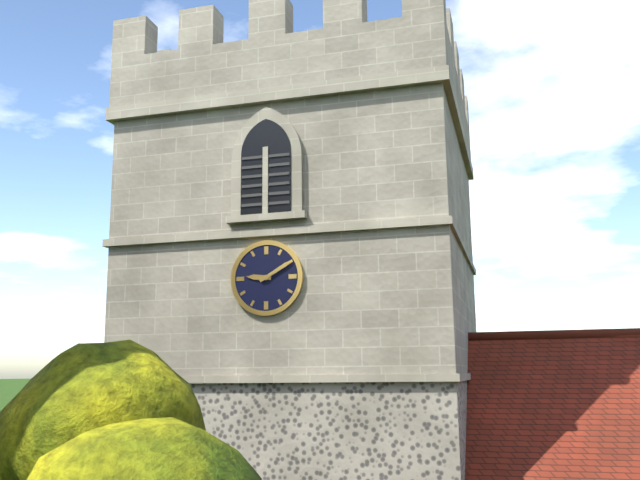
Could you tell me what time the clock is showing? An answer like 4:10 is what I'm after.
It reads 9:10
